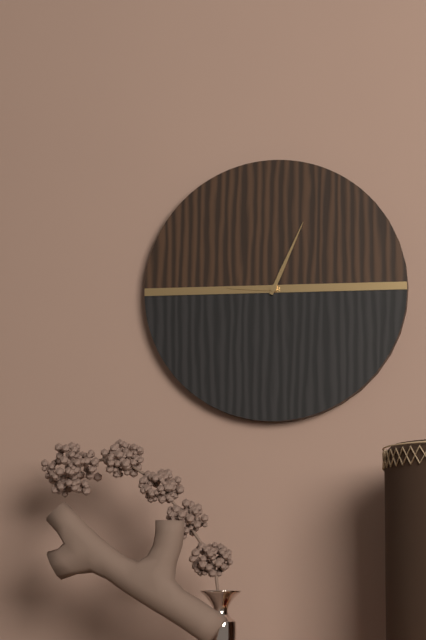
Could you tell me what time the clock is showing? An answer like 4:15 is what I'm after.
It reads 9:04
